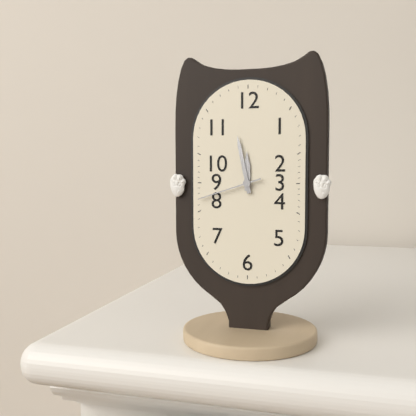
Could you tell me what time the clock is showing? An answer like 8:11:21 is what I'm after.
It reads 11:58:42
